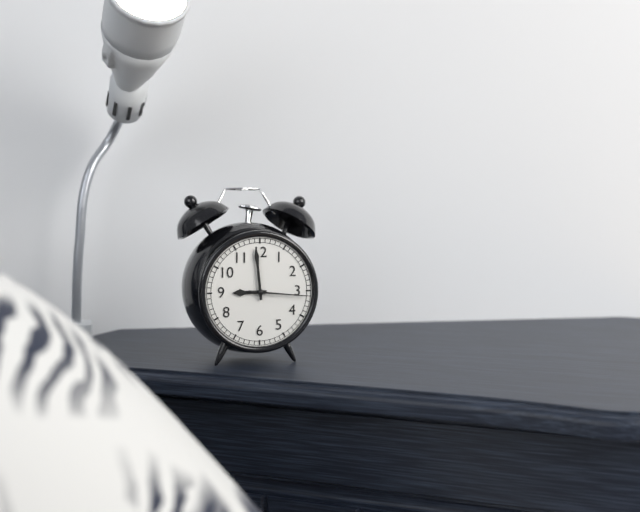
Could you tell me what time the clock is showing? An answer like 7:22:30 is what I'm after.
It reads 8:59:16
